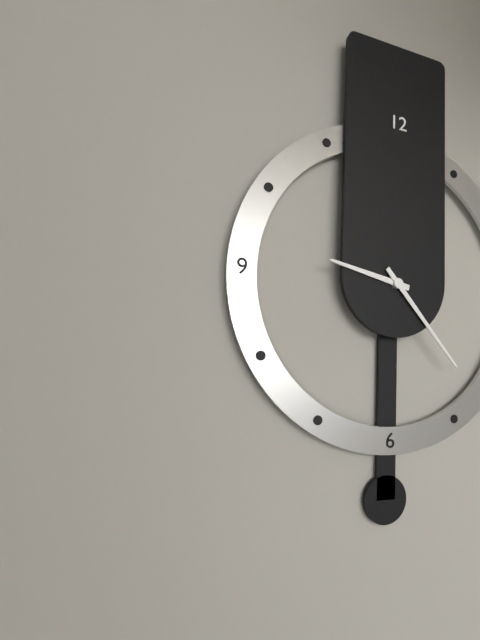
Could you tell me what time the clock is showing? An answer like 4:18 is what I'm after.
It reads 9:23
